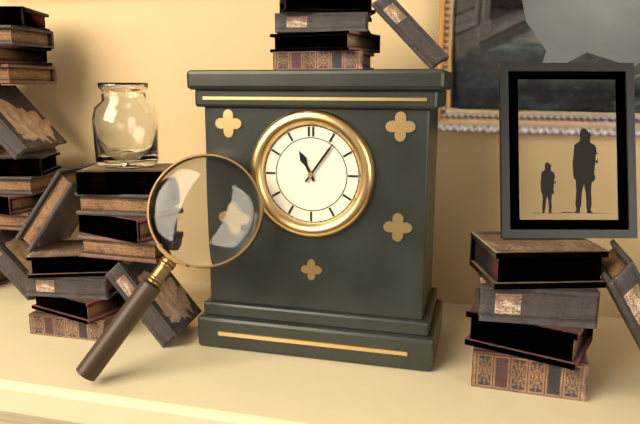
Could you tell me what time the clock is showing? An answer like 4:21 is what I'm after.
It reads 11:06
